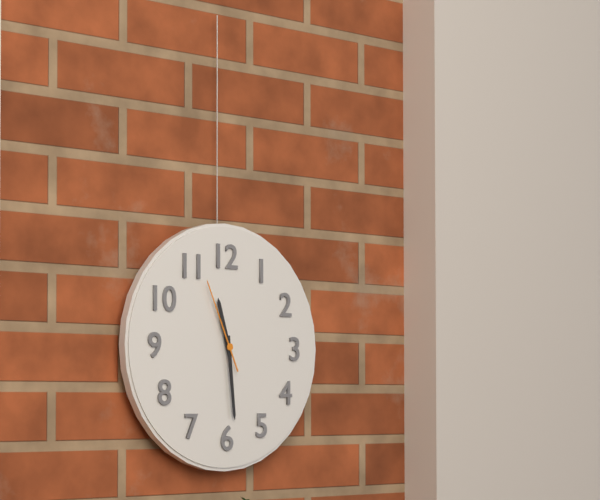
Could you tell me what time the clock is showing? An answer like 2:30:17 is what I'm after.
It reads 11:29:56
